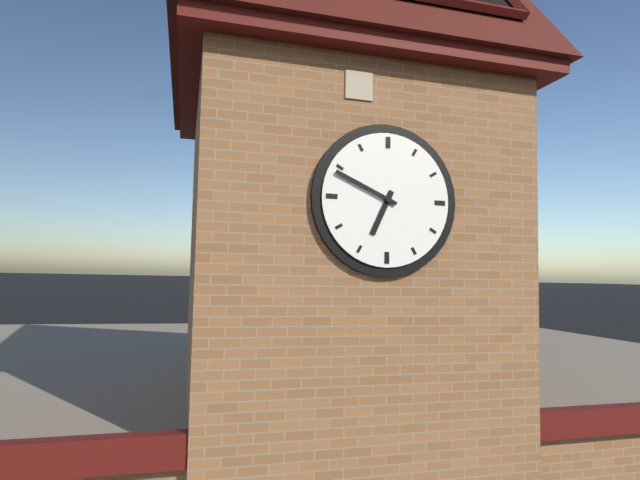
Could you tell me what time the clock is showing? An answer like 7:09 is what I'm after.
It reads 6:49
